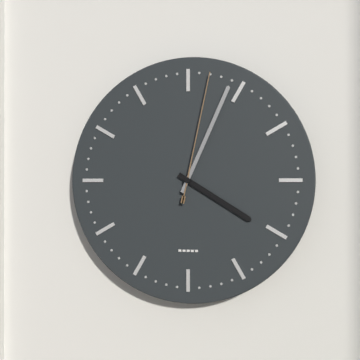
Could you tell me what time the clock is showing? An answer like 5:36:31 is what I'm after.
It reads 4:04:02
